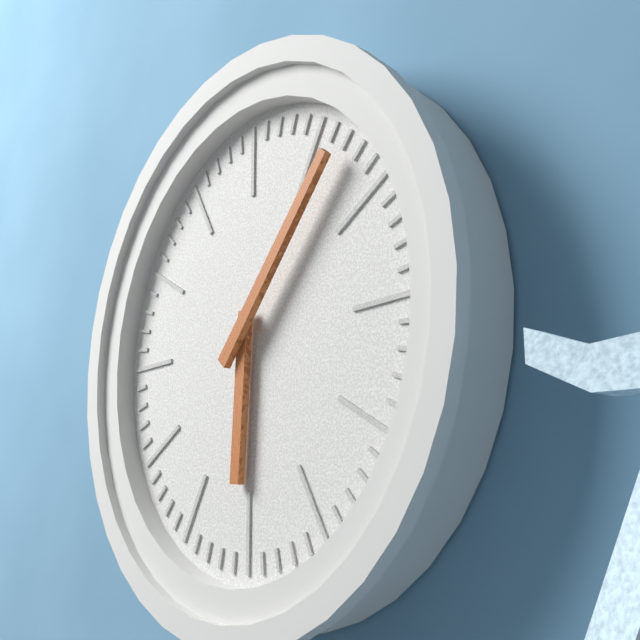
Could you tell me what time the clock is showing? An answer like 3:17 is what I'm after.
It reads 6:07
